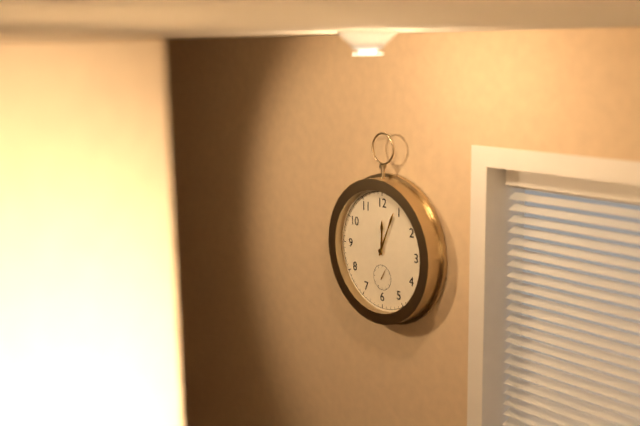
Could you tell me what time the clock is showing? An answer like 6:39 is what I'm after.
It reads 12:04
